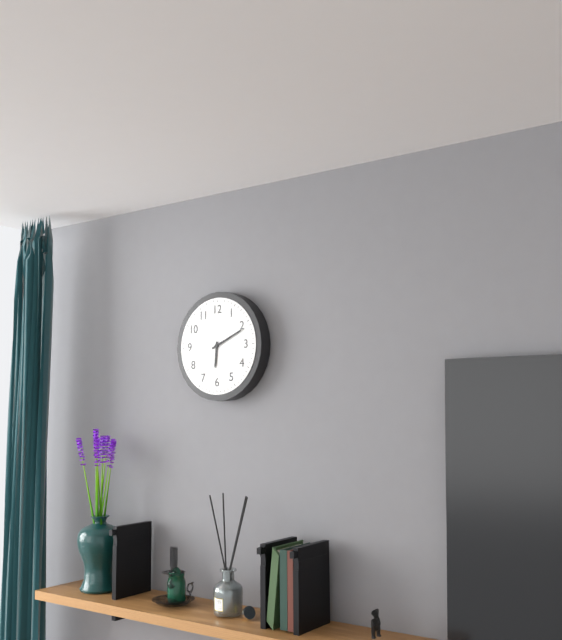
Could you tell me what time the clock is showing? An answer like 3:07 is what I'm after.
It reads 6:11
